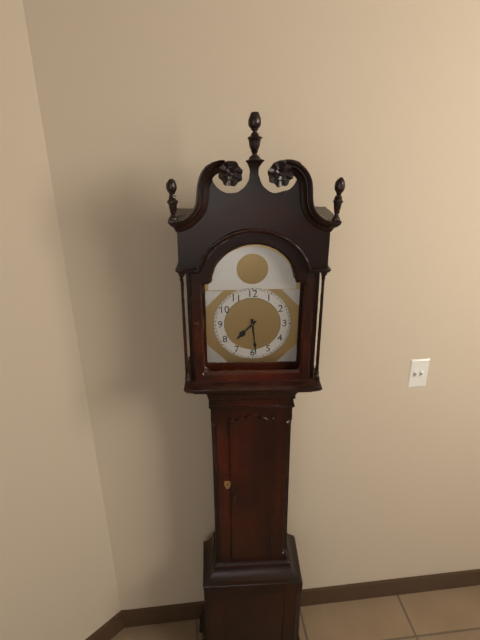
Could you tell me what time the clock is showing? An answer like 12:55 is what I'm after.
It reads 7:29
